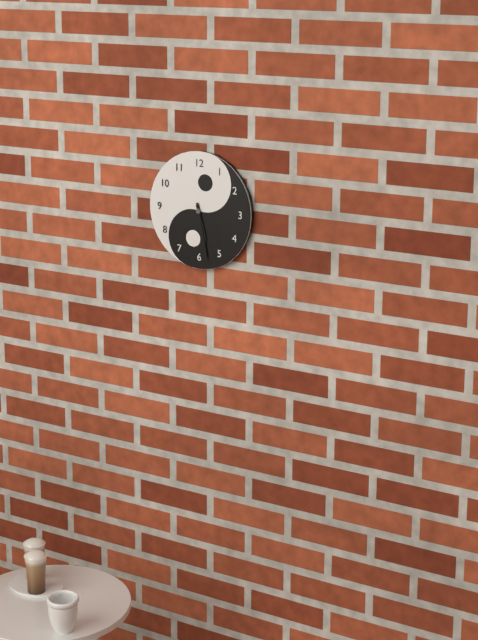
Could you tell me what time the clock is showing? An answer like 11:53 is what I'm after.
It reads 5:28
